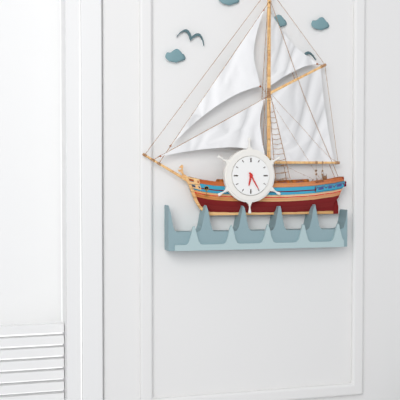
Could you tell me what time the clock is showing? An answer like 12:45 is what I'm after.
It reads 6:25
